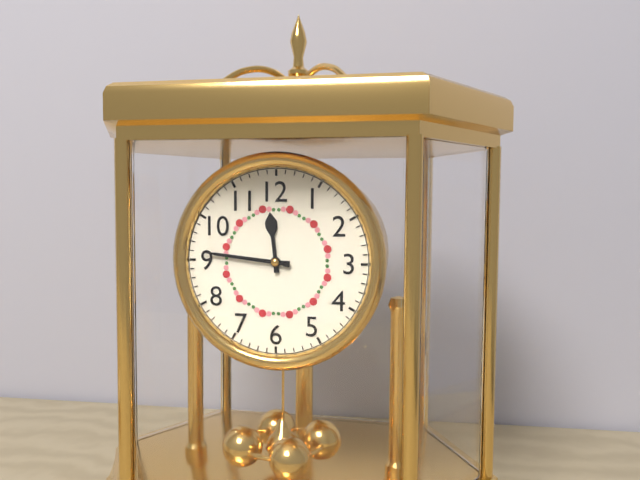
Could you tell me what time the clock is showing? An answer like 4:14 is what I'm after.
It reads 11:46
